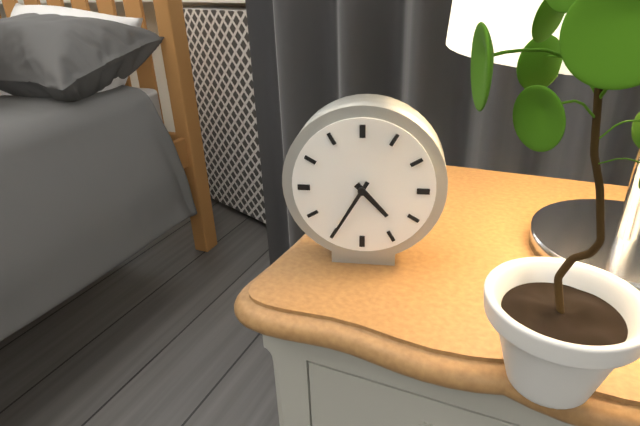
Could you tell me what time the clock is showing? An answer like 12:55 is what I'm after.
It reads 4:35
